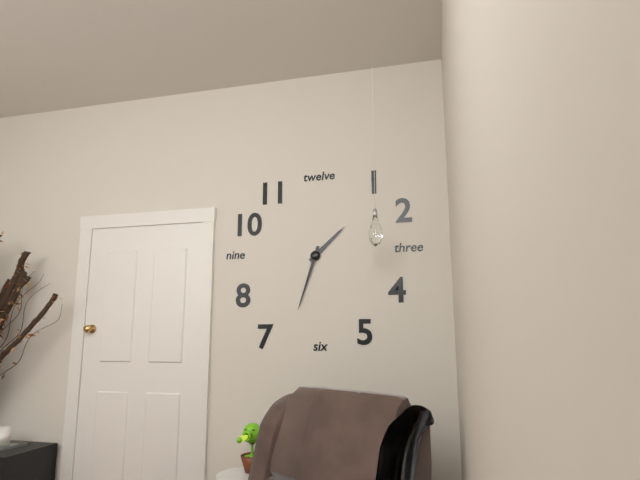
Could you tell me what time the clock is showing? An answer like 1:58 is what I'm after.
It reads 1:33
